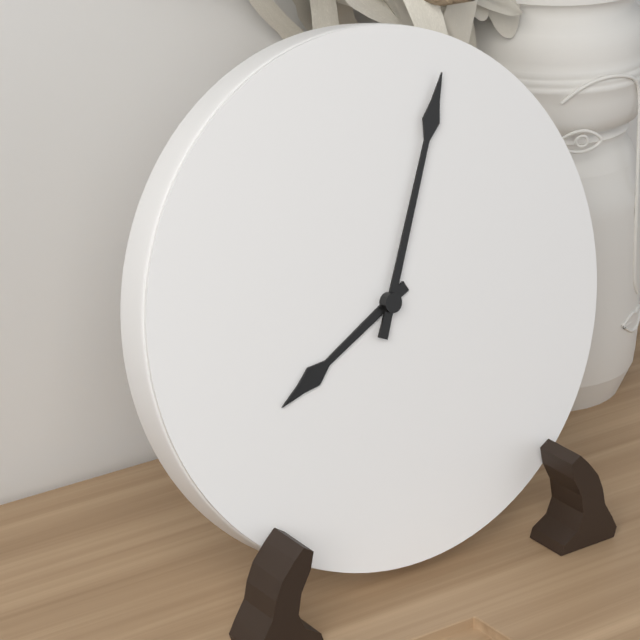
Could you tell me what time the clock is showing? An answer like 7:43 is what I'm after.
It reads 8:04
